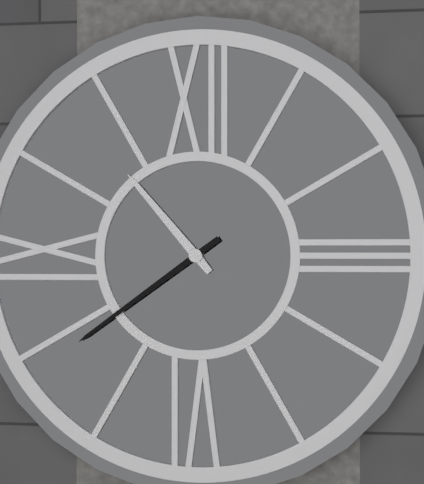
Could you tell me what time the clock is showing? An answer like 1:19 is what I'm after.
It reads 10:39
